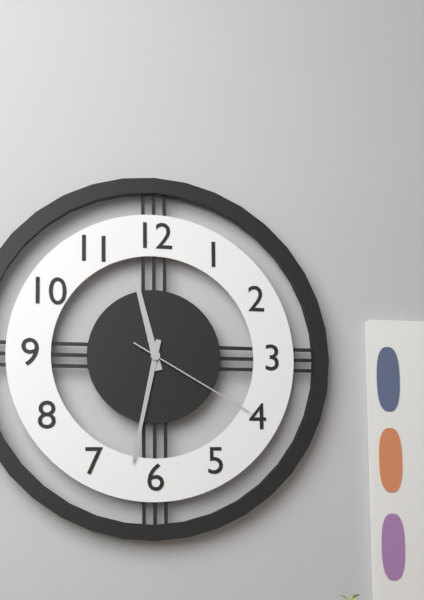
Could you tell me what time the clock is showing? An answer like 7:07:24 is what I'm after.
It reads 11:32:20
